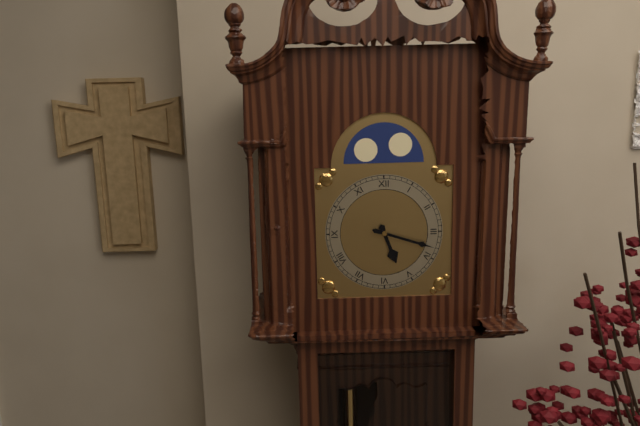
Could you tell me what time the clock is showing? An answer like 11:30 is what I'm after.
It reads 5:18
